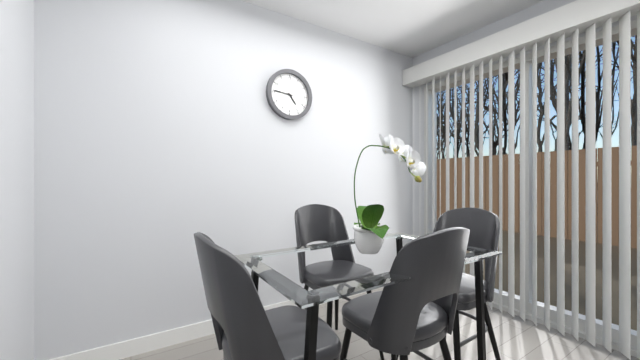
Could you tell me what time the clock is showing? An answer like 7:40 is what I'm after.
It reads 4:46
